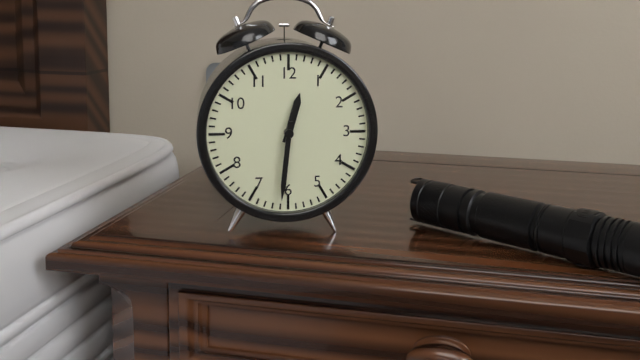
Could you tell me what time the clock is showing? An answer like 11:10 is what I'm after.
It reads 12:31
